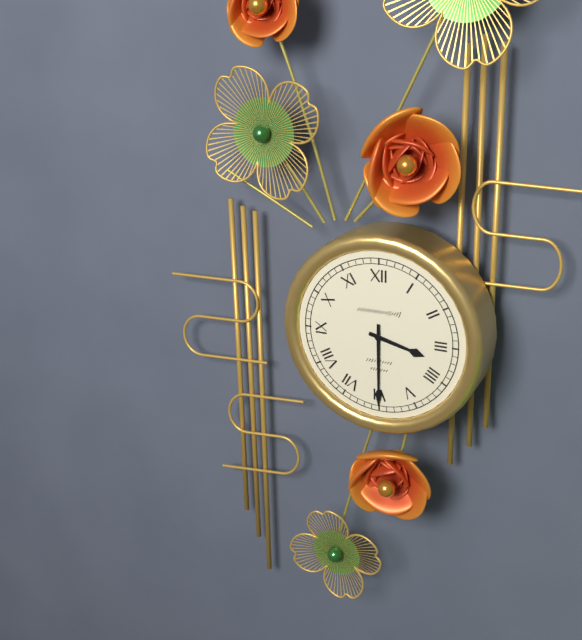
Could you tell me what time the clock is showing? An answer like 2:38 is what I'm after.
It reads 3:30
